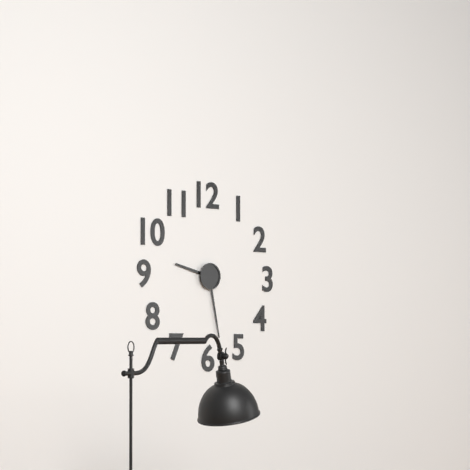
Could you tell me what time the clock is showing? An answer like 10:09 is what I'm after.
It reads 9:28
